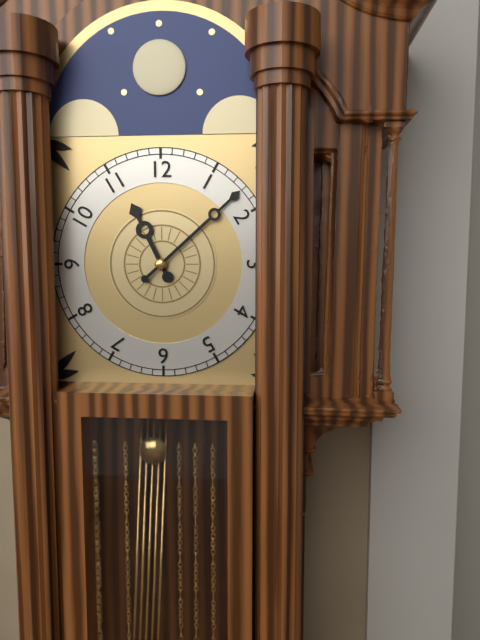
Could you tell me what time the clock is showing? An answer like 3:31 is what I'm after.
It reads 11:08
